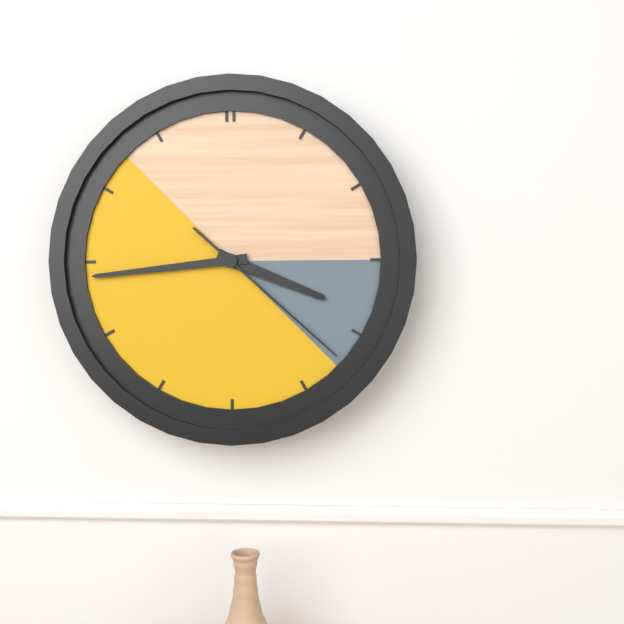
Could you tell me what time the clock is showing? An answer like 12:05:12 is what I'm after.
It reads 3:44:22
